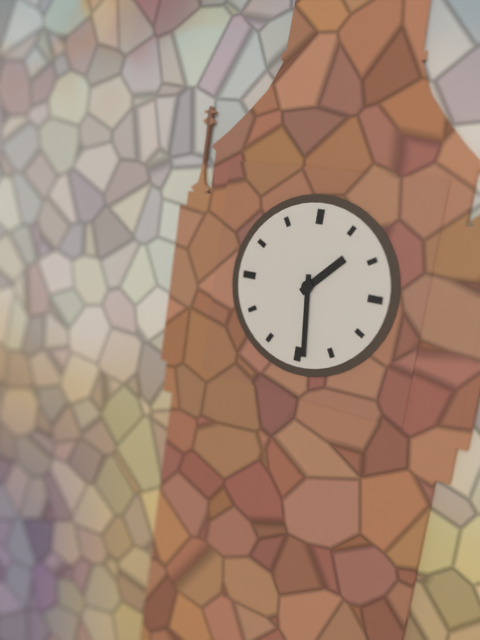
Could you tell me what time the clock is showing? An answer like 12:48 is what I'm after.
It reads 1:29
